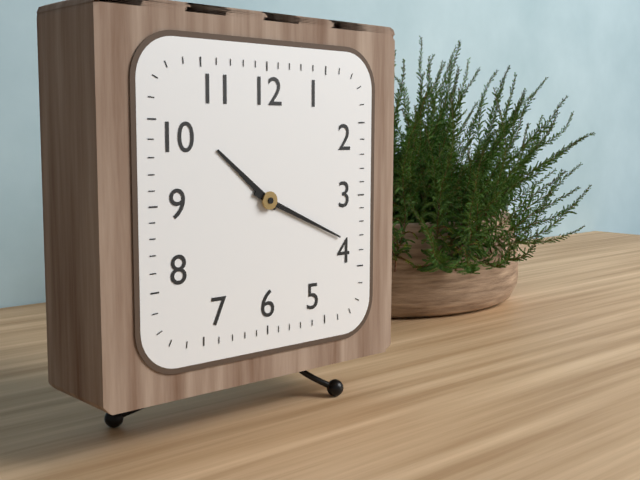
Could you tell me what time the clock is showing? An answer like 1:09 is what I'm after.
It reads 10:19
